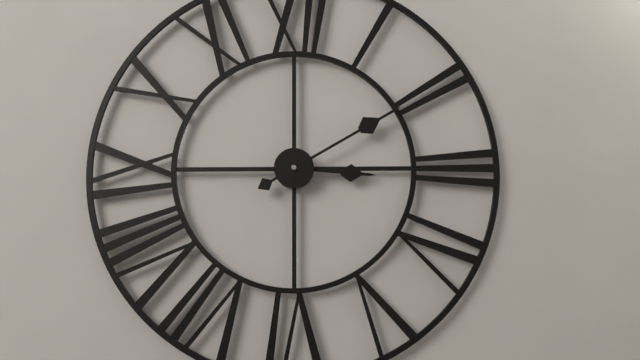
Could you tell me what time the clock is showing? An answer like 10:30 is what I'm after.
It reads 3:10
